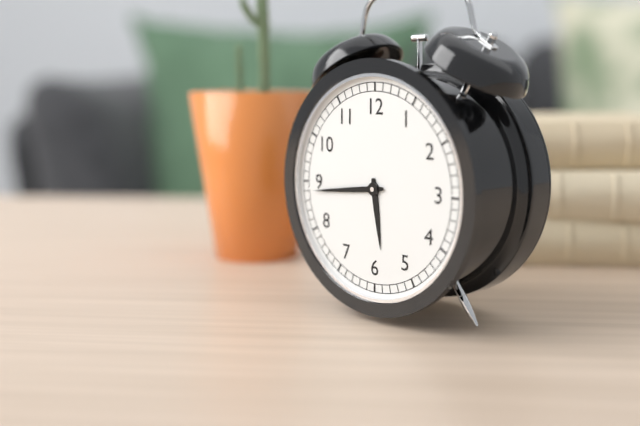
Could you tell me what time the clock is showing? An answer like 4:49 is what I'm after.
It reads 5:44
